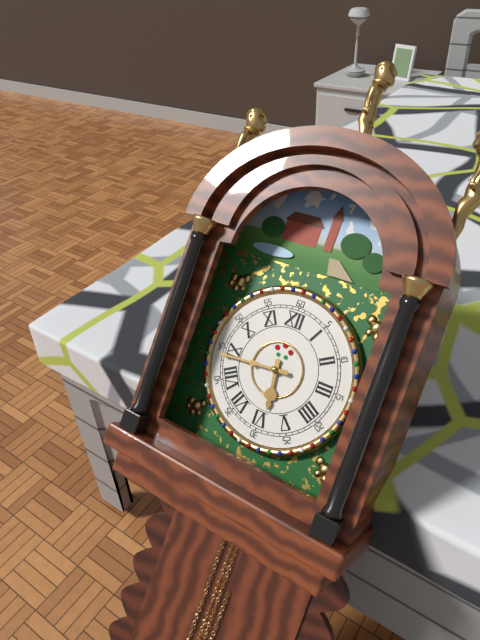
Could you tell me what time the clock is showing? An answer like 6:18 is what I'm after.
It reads 5:44
